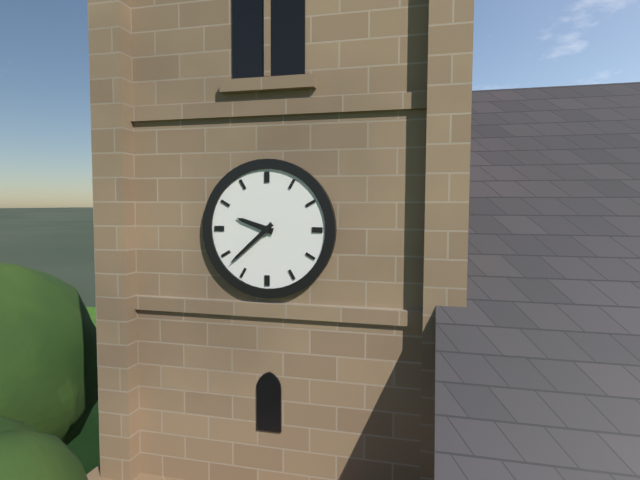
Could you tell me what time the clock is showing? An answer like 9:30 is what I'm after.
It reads 9:38
